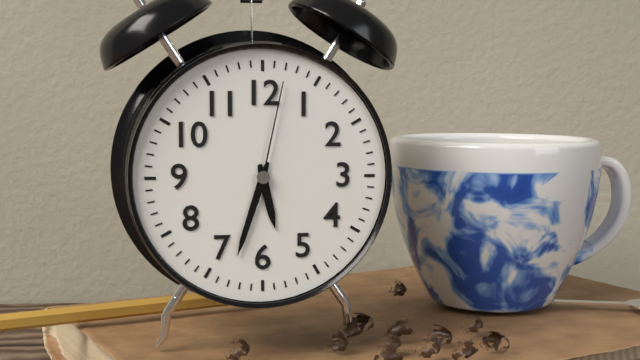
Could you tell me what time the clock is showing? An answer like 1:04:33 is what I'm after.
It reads 5:33:02
